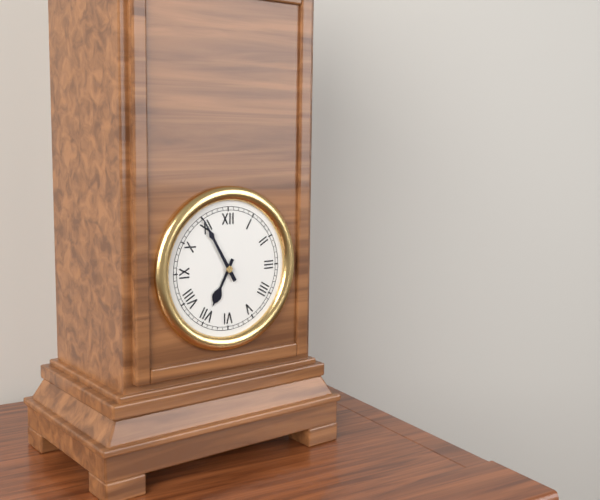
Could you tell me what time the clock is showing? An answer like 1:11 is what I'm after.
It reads 6:55
